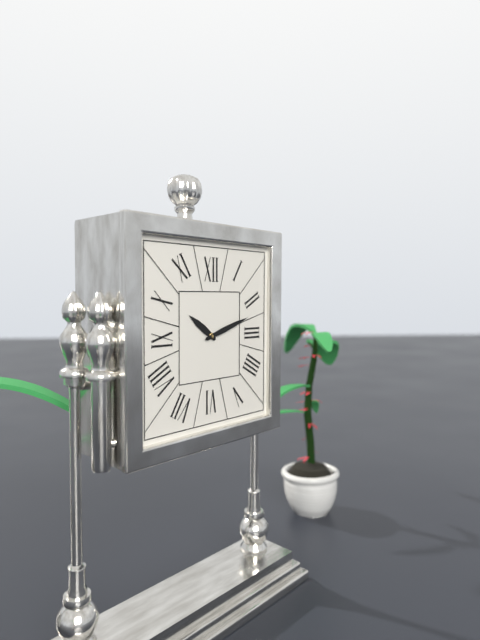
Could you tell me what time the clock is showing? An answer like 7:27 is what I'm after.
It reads 10:12
